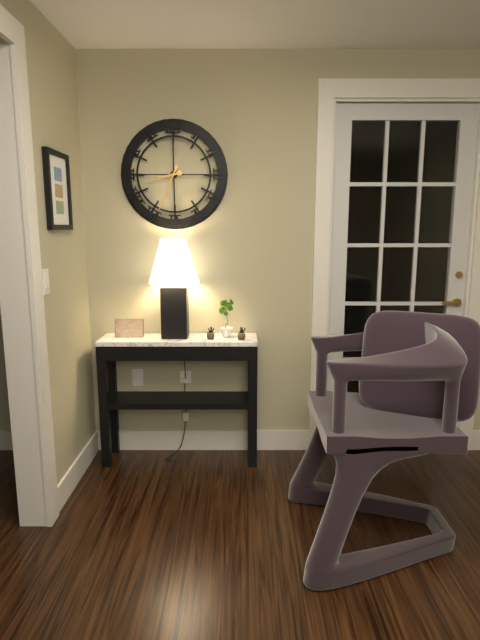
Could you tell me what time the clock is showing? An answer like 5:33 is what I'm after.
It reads 8:34
